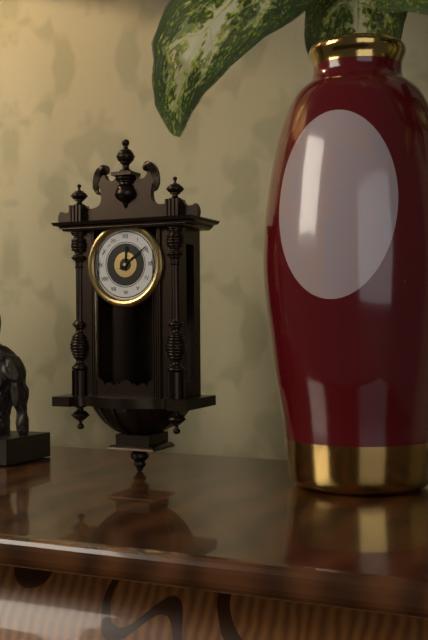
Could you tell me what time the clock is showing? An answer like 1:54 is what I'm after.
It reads 12:09
